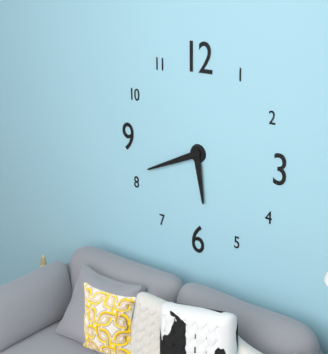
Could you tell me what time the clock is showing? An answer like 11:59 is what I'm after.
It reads 5:41
